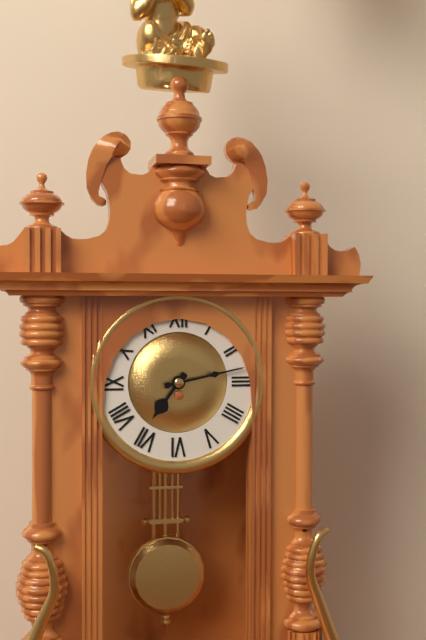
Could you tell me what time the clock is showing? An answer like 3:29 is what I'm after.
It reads 7:13
